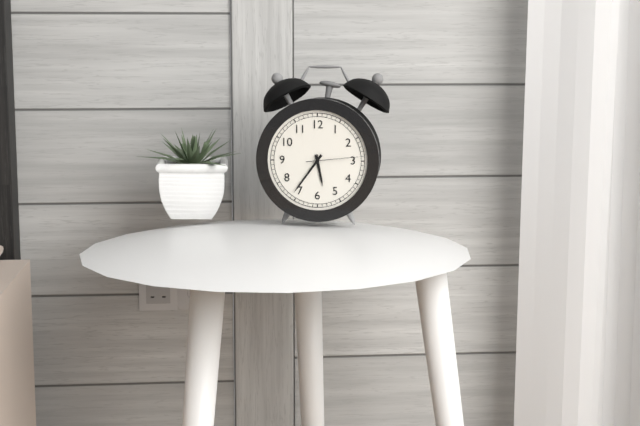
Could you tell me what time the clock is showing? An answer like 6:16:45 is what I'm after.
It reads 5:36:14
